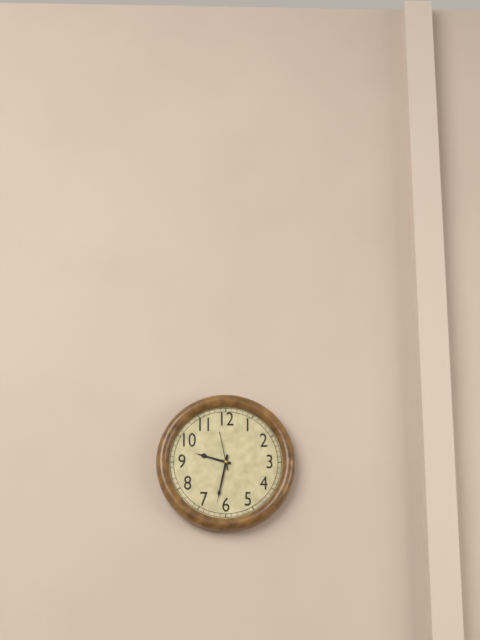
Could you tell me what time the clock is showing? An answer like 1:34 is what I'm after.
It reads 9:32
